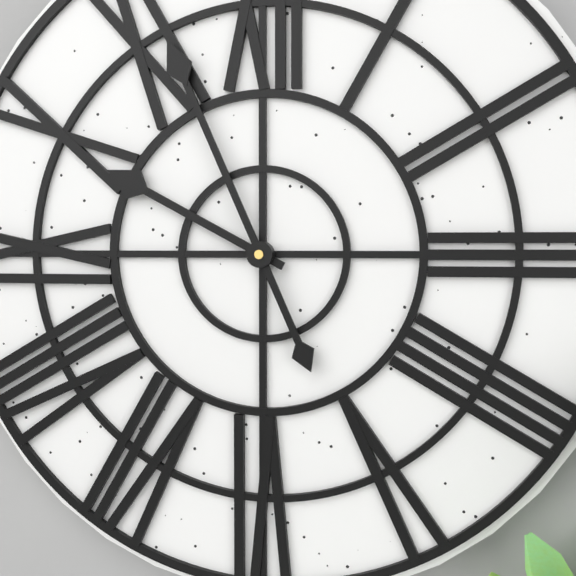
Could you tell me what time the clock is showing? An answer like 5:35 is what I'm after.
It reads 9:56
